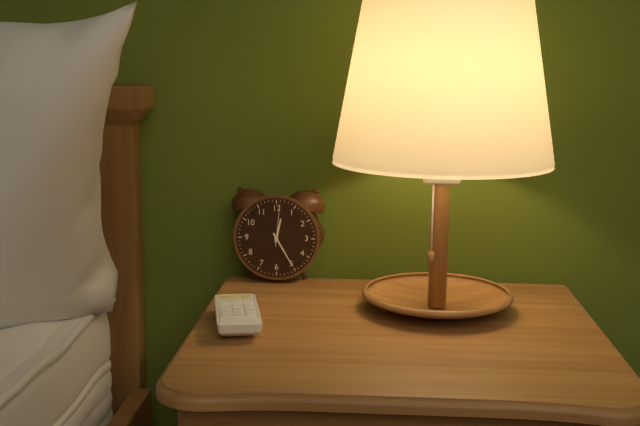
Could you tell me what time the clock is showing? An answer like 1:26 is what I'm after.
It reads 12:25
